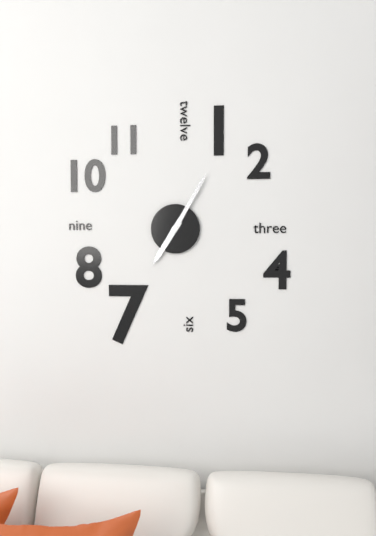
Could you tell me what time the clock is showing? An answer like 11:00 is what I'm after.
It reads 7:05
